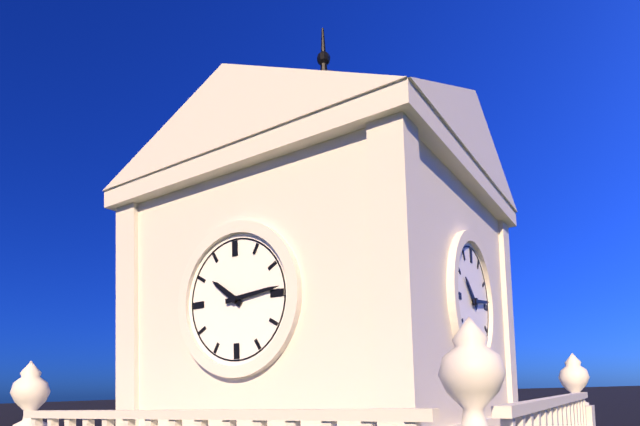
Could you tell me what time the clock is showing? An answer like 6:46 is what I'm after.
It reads 10:14
